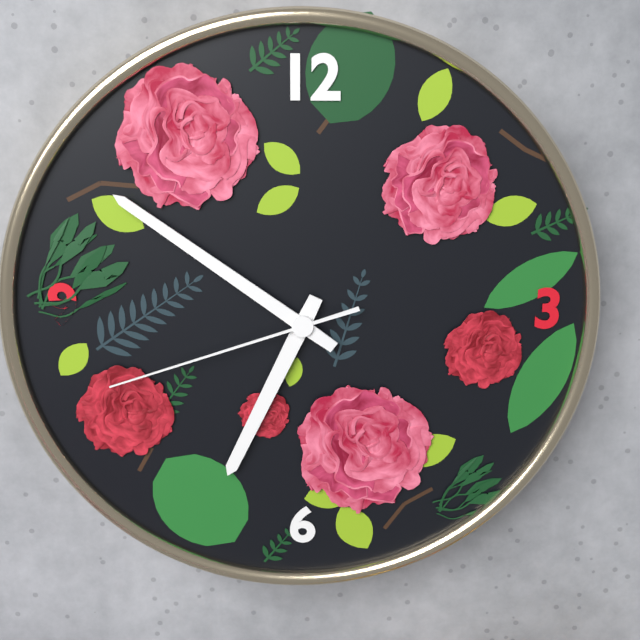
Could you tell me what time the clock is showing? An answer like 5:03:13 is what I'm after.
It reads 6:51:42
